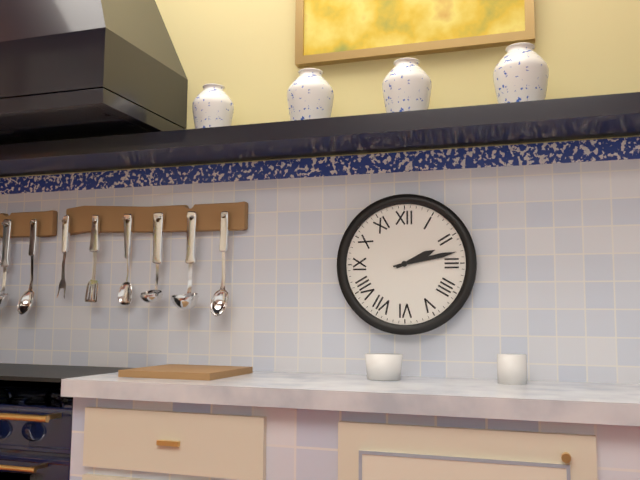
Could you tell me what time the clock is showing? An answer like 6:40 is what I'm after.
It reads 2:13
